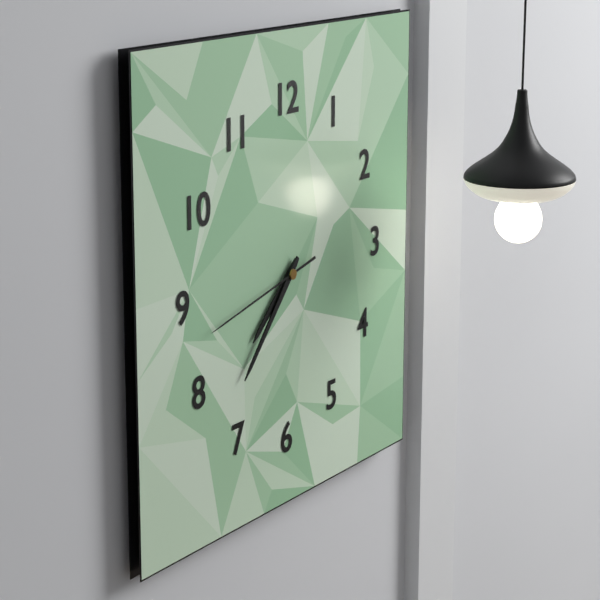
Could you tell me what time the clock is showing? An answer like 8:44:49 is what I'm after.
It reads 7:37:43
